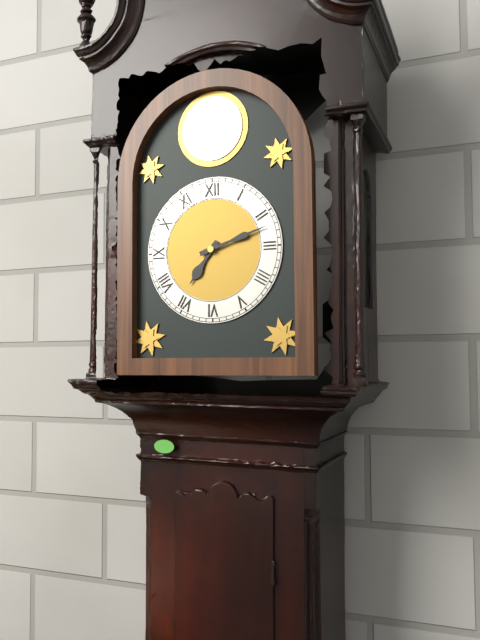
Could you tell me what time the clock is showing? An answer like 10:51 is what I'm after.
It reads 7:12
